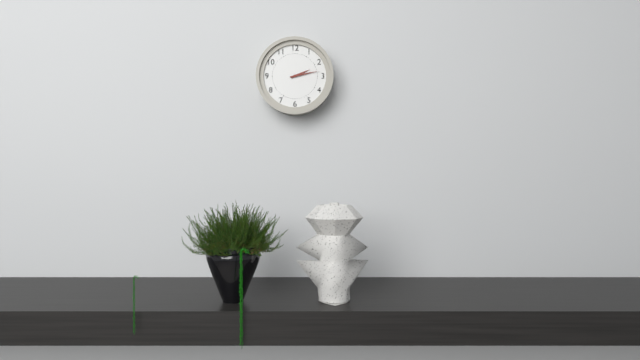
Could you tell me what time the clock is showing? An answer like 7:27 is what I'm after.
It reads 2:13
